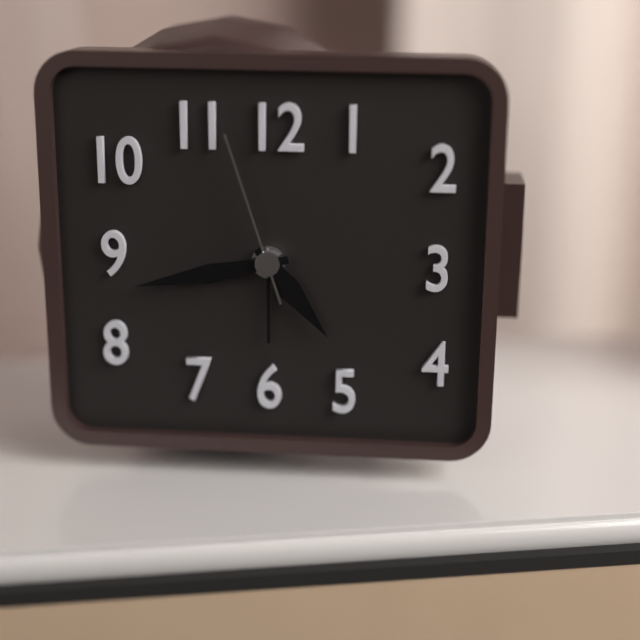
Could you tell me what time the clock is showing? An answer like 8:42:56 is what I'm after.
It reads 4:43:57
